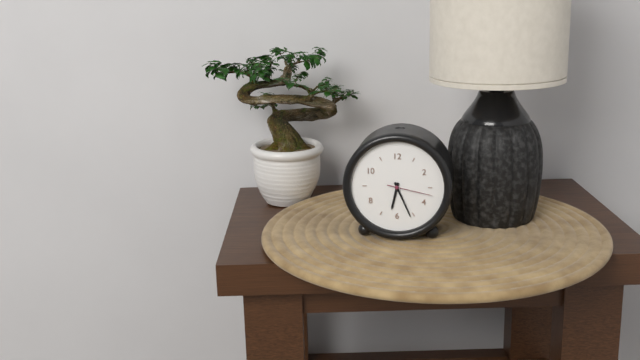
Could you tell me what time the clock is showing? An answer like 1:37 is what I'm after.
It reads 6:26
